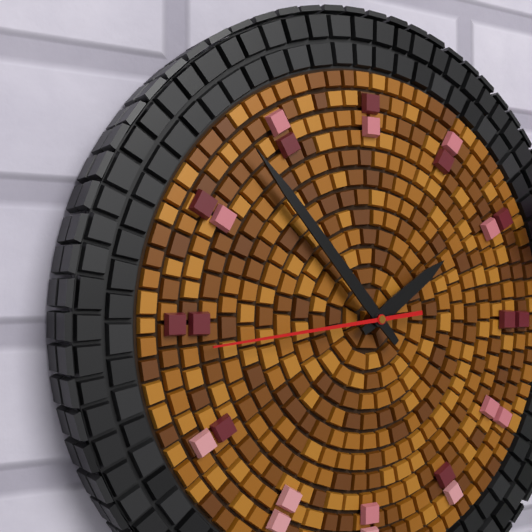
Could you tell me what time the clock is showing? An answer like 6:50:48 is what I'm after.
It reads 1:53:44
